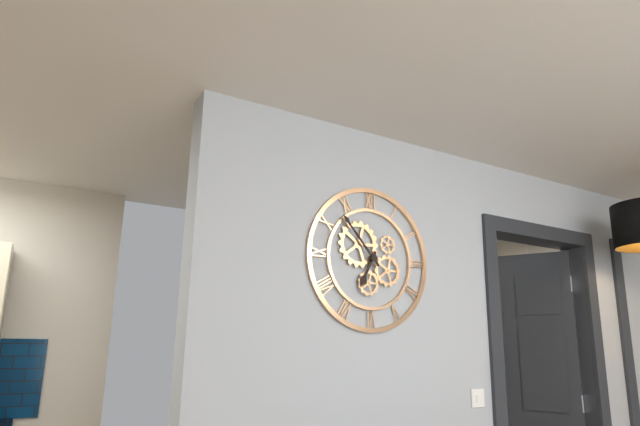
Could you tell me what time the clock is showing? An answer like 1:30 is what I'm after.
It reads 6:53
